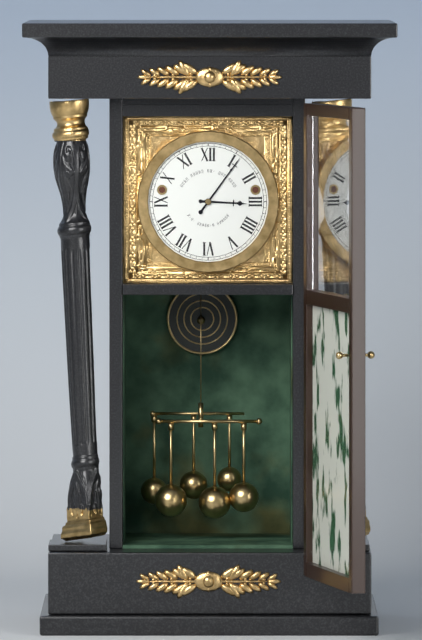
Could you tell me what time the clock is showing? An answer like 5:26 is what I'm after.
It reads 3:06
